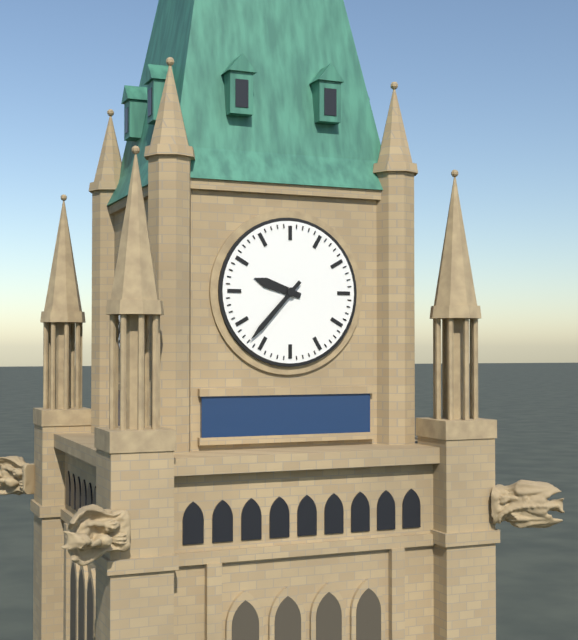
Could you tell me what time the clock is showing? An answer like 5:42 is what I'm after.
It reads 9:37
